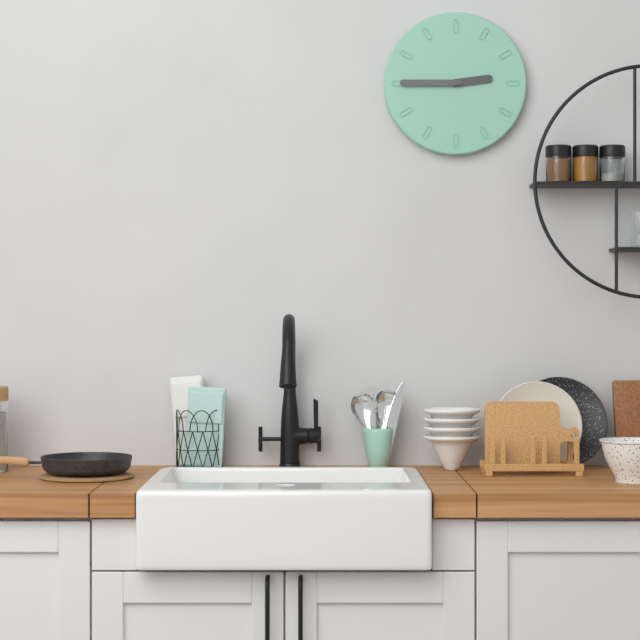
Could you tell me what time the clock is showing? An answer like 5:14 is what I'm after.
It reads 2:45
